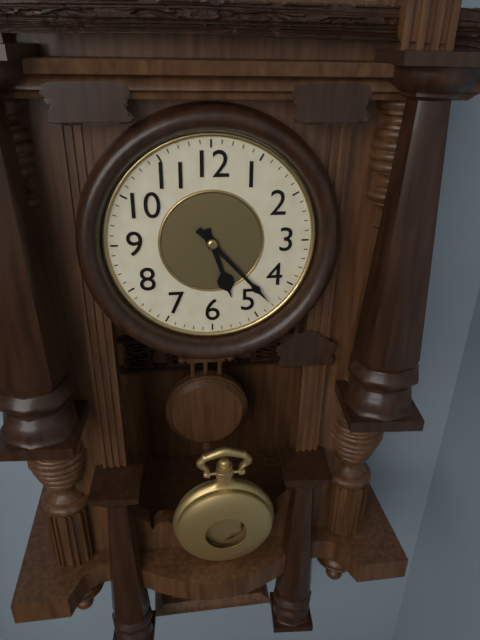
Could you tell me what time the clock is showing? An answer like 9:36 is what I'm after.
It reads 5:23
